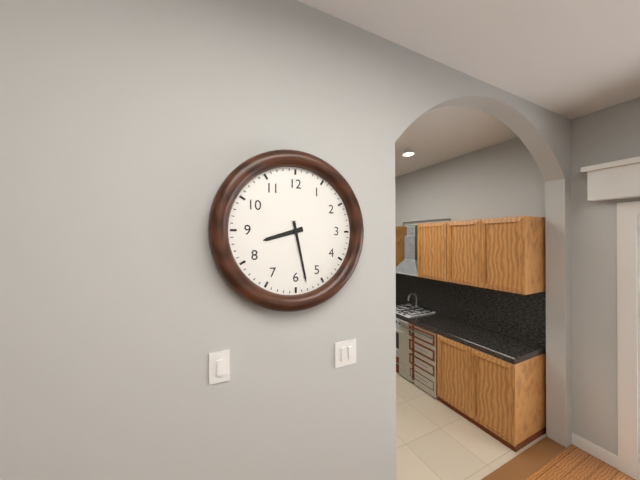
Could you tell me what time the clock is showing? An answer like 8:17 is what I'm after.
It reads 8:28
